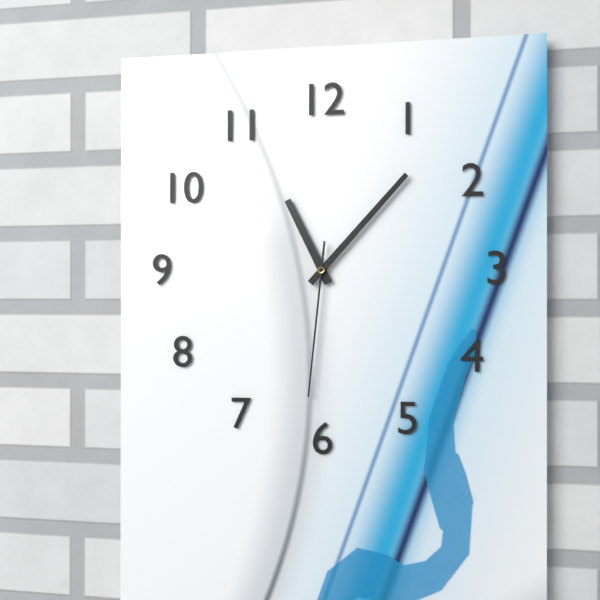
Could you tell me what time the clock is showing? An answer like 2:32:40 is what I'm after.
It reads 11:07:31
